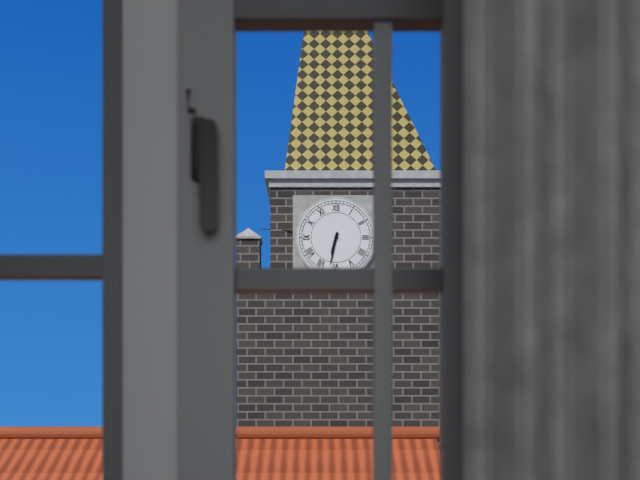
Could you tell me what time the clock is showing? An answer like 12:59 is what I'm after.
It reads 6:32
